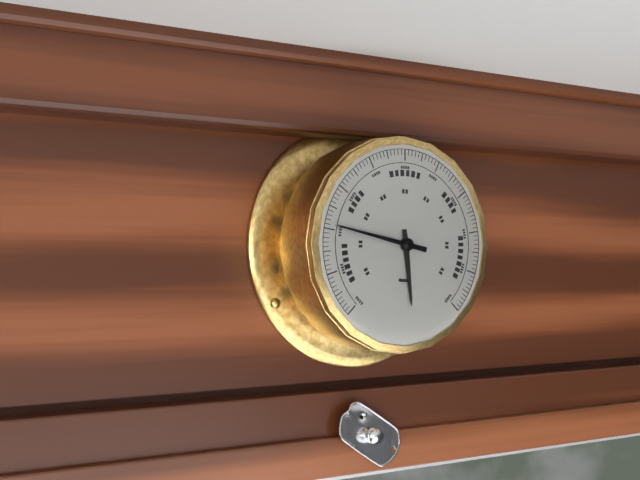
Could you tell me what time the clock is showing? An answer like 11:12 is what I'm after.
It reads 5:47
